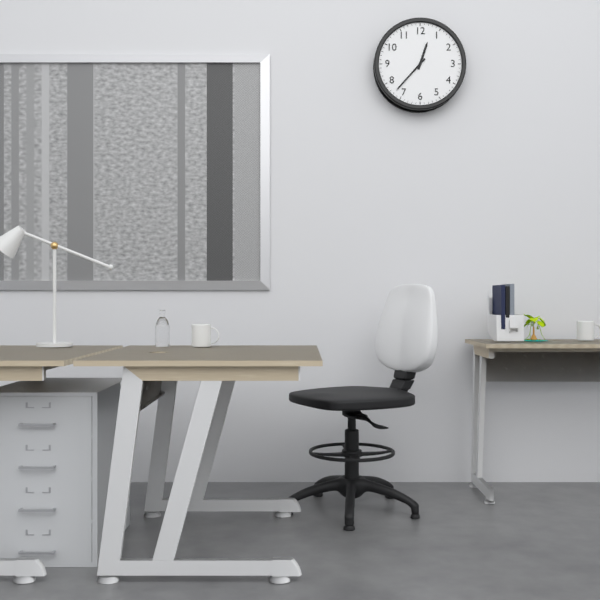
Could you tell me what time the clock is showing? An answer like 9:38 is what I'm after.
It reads 12:37
